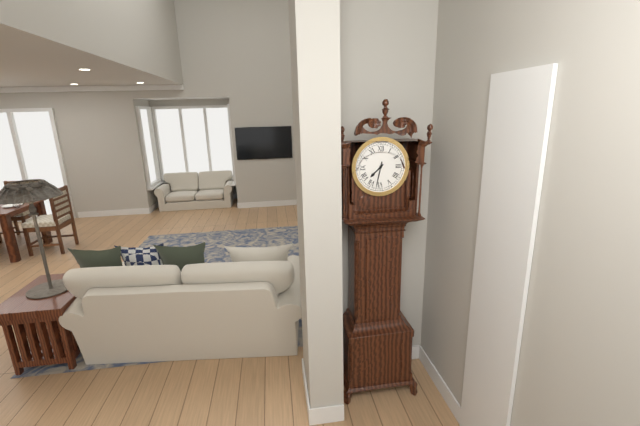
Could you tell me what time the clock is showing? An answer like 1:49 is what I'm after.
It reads 7:32
